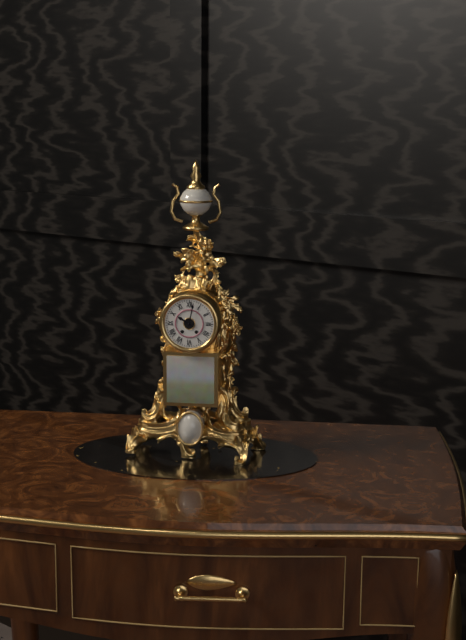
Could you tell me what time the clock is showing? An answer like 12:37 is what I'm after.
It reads 10:02
